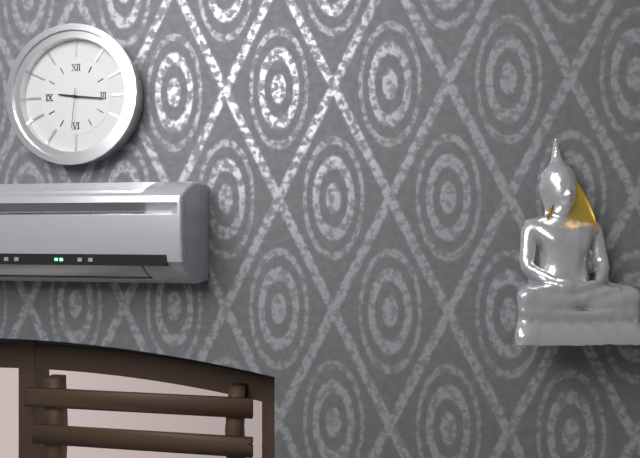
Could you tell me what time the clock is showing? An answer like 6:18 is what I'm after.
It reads 9:16
